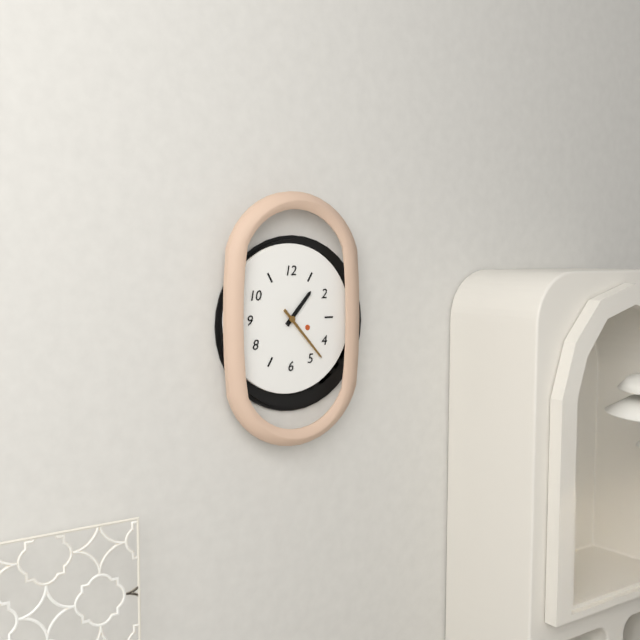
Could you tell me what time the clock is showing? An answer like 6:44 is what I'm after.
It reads 1:23
